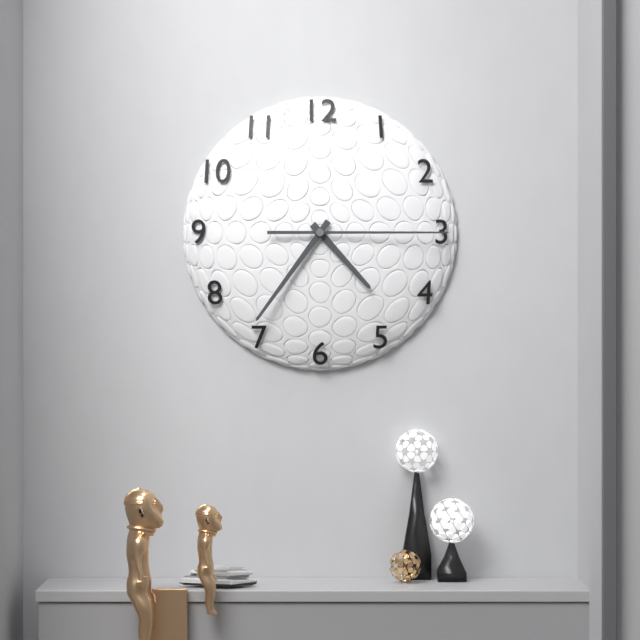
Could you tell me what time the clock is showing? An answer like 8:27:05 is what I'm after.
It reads 4:36:15
